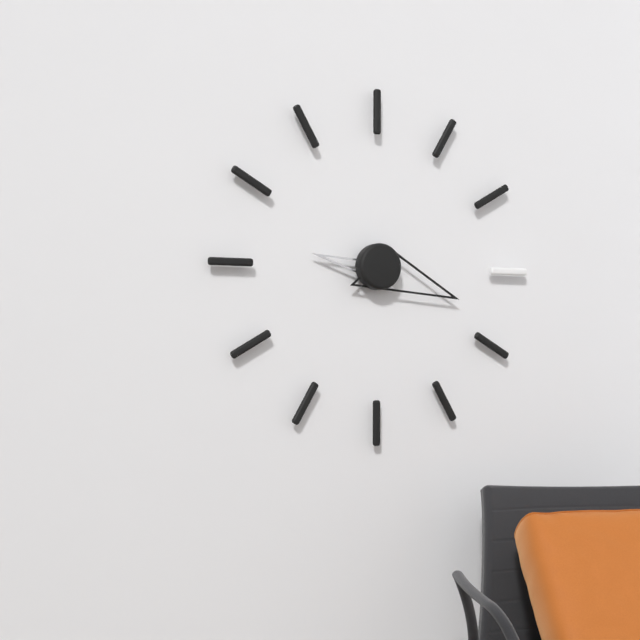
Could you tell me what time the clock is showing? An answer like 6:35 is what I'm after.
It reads 9:18
